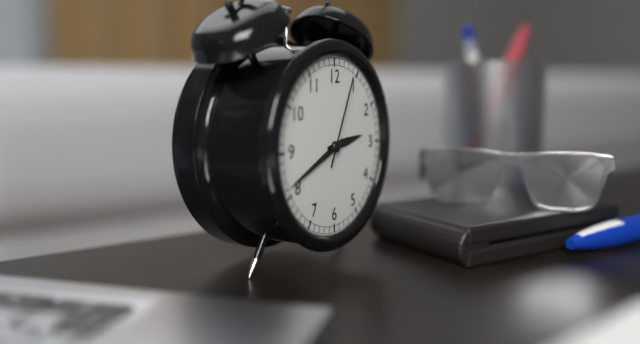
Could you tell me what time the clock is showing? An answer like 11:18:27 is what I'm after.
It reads 2:41:04
